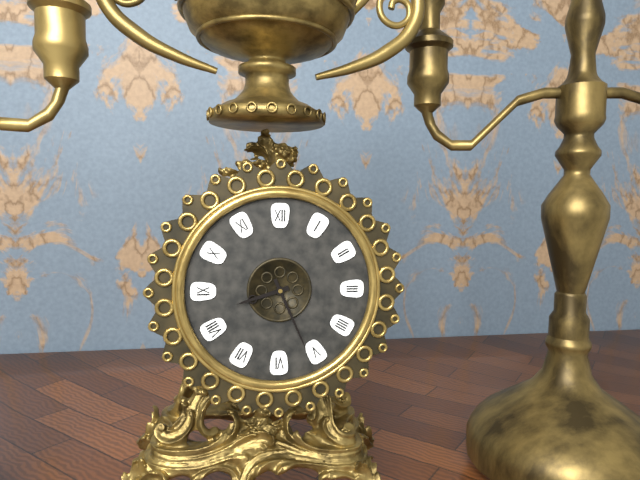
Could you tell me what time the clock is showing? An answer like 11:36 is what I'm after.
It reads 8:26
